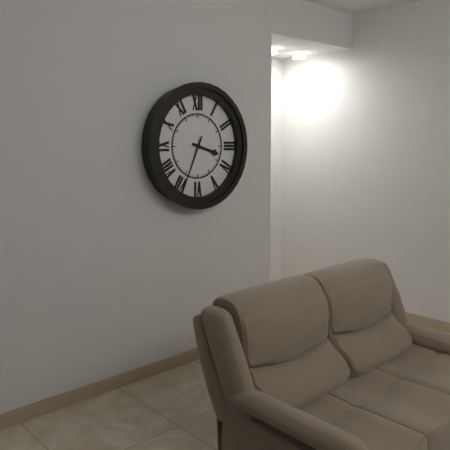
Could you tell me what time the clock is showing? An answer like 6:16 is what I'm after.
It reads 3:34
